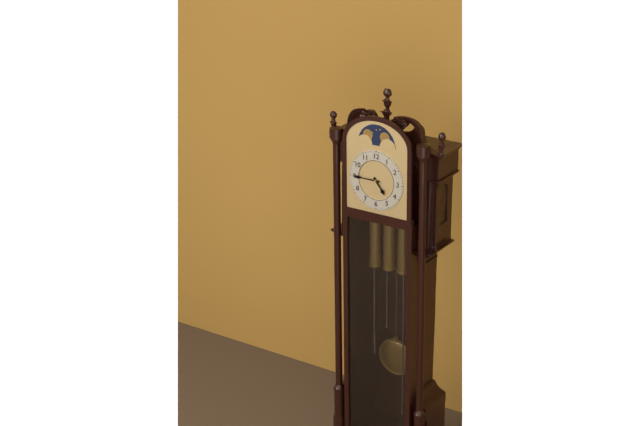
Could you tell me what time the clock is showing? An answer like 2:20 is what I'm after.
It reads 4:45
